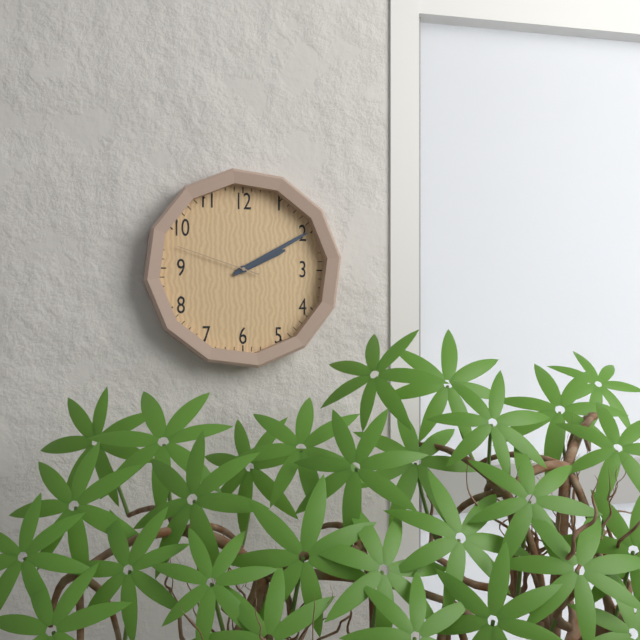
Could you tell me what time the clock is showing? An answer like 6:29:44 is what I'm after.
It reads 2:10:48
